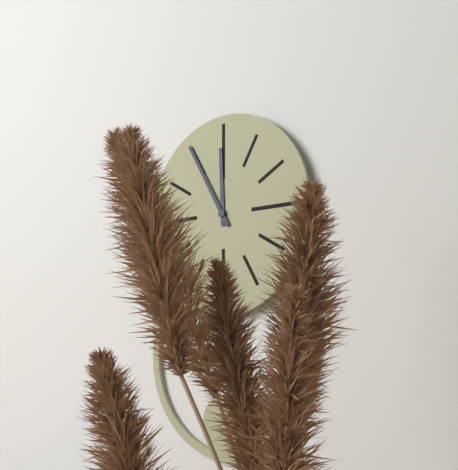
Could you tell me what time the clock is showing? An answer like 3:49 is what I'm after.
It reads 11:55
